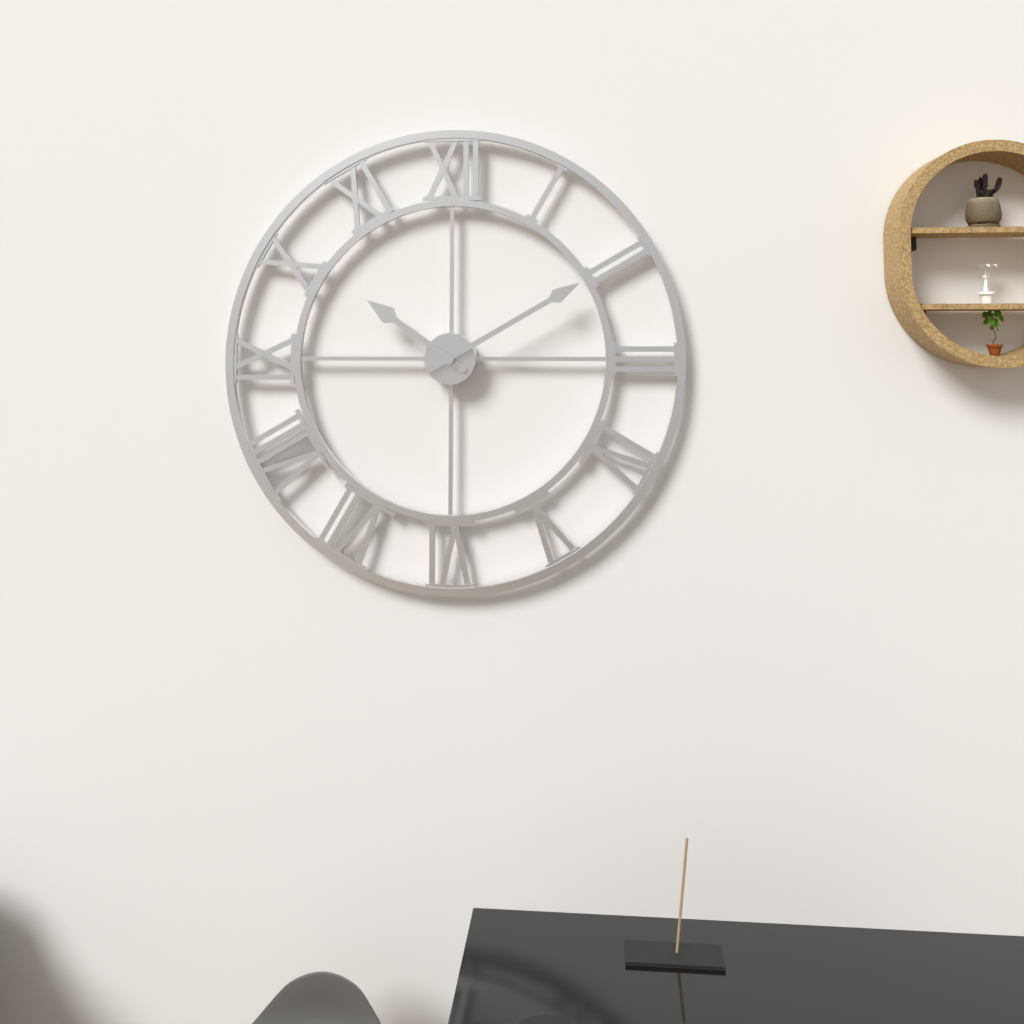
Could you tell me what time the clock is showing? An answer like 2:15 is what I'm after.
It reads 10:10
